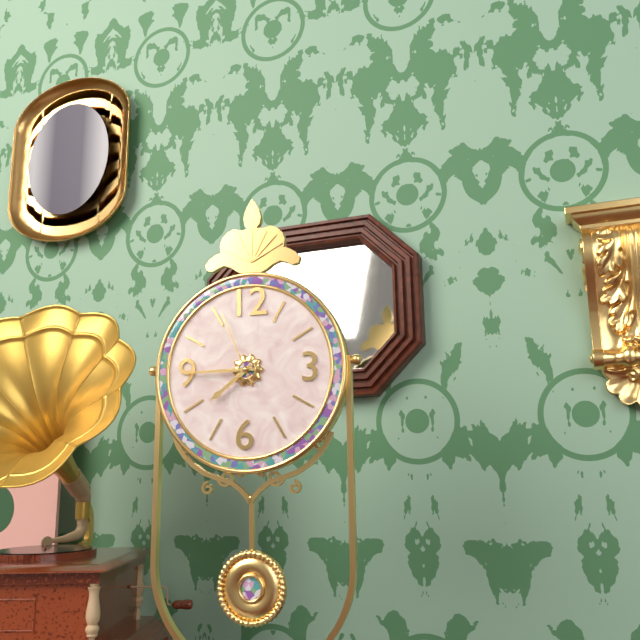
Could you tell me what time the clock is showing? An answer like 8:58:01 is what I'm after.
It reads 7:45:56
